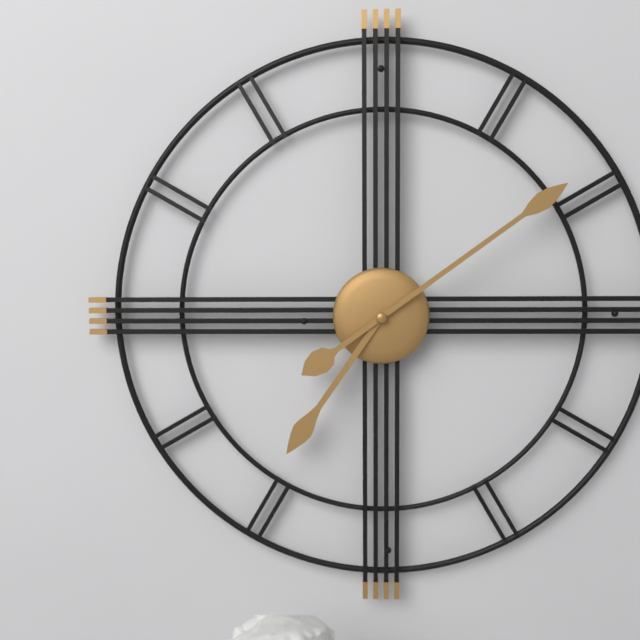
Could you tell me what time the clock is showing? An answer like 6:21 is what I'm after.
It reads 7:09
